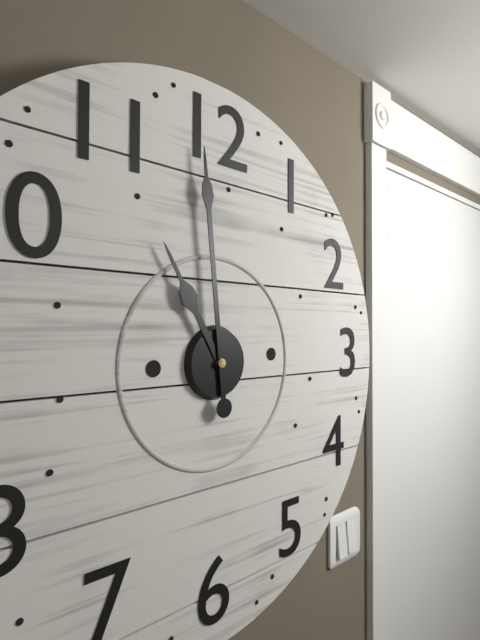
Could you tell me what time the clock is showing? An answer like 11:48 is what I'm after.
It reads 10:59
